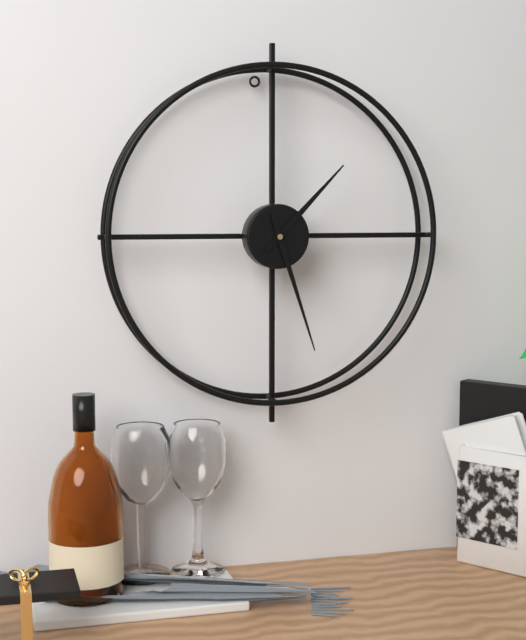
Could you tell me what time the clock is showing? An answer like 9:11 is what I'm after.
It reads 1:27
